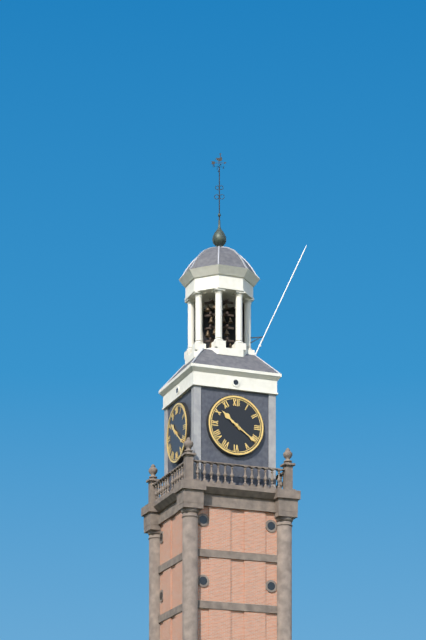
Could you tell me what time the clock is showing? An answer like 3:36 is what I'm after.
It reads 10:21
